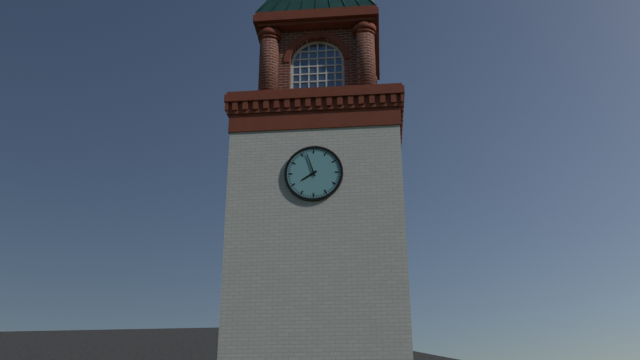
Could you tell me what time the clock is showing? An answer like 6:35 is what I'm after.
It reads 7:57
